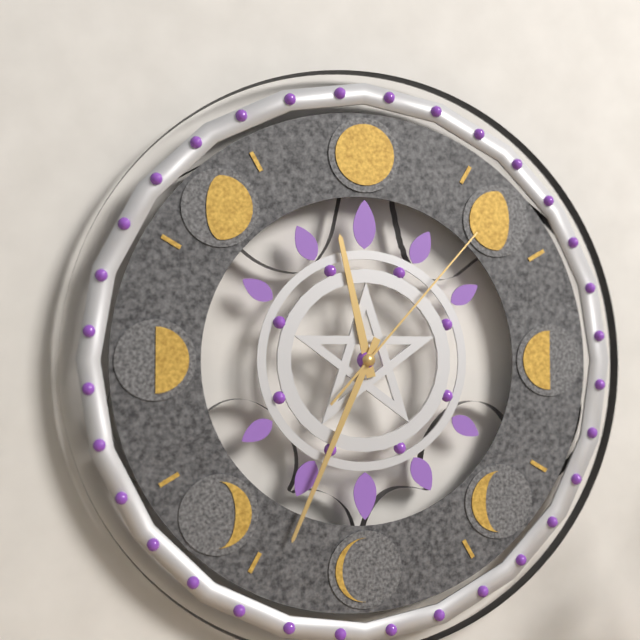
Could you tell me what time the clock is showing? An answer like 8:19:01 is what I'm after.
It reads 11:34:07
